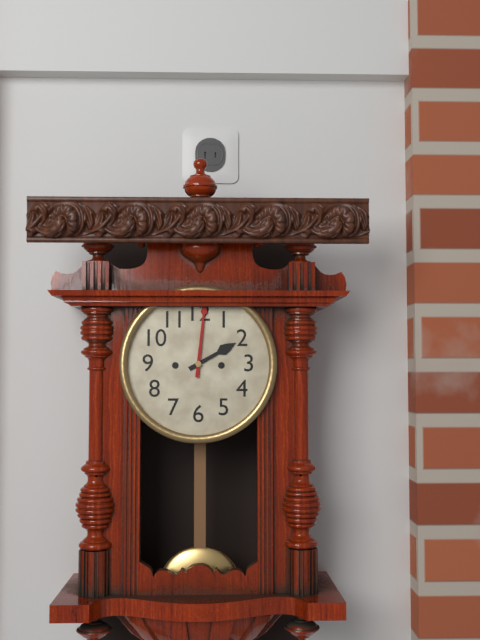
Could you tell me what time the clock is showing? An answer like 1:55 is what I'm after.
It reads 2:01
